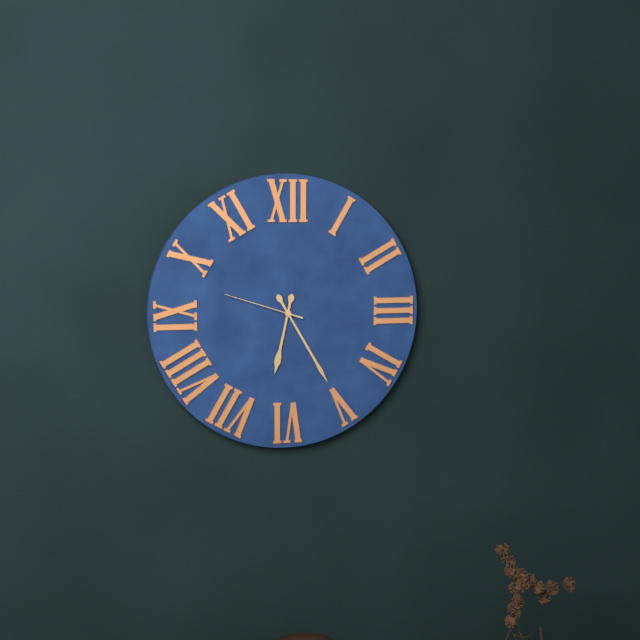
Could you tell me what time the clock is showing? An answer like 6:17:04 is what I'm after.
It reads 6:25:48
